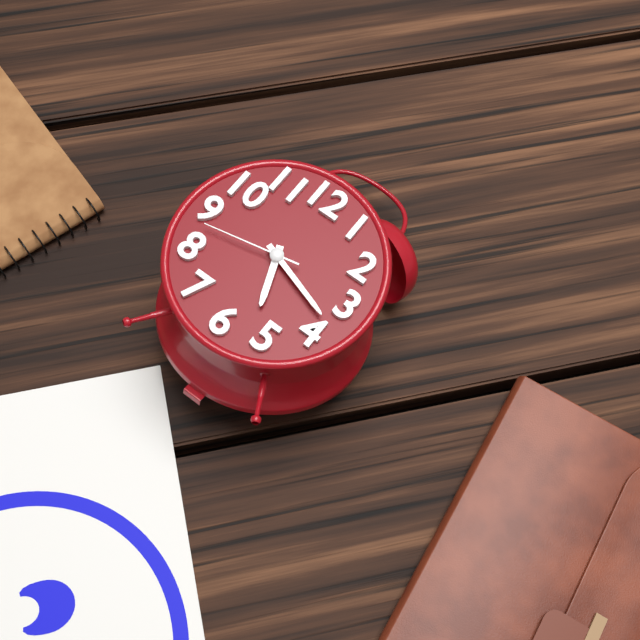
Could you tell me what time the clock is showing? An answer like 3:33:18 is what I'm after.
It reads 5:18:43
